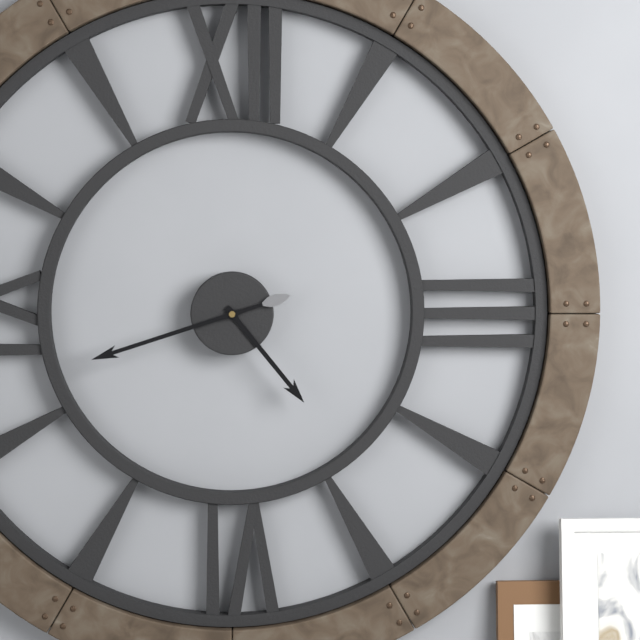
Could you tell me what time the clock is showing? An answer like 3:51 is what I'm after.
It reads 4:42
